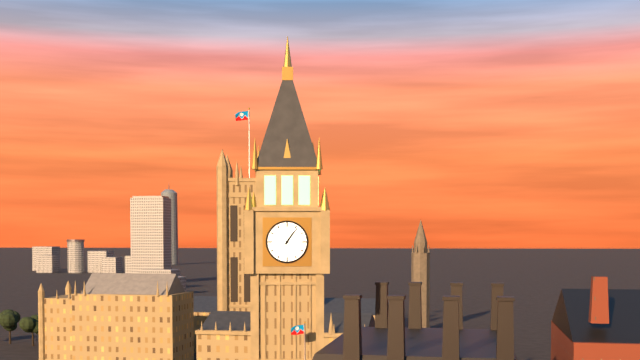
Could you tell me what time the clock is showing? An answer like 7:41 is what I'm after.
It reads 1:06
